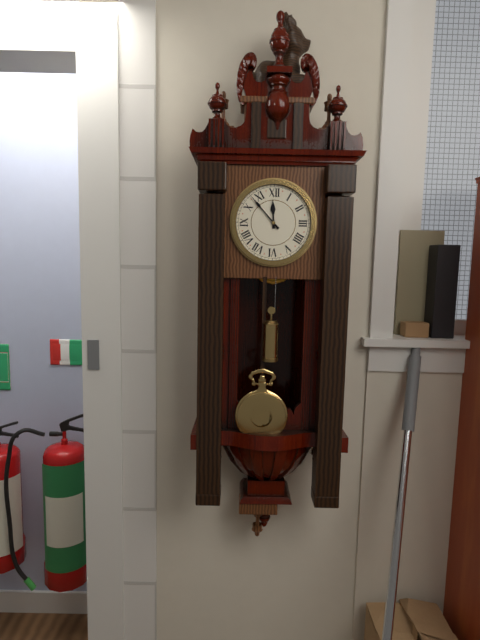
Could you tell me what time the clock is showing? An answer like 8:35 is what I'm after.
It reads 11:53
